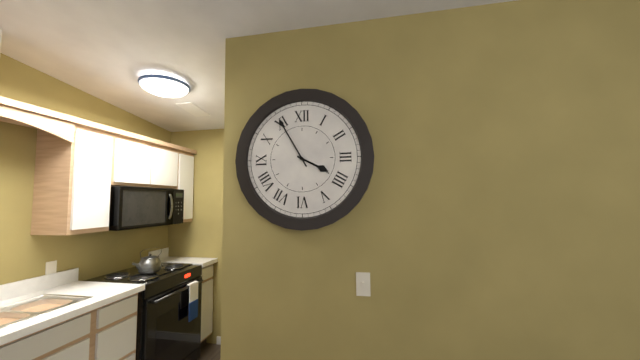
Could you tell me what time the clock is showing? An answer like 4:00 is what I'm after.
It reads 3:55
